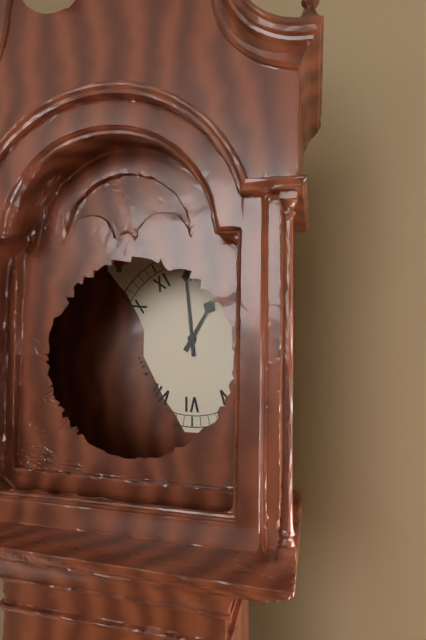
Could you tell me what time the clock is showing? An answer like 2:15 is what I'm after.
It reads 12:59
